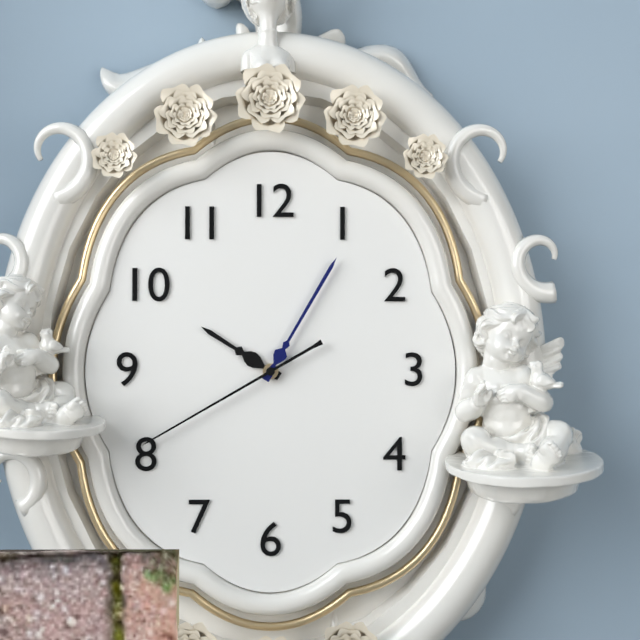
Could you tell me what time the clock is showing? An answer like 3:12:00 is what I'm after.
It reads 10:05:40
